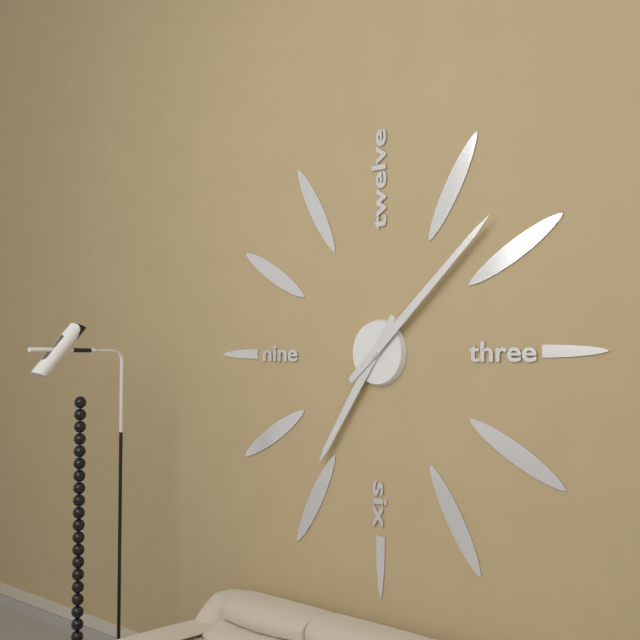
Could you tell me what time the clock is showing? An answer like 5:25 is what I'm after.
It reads 7:08
